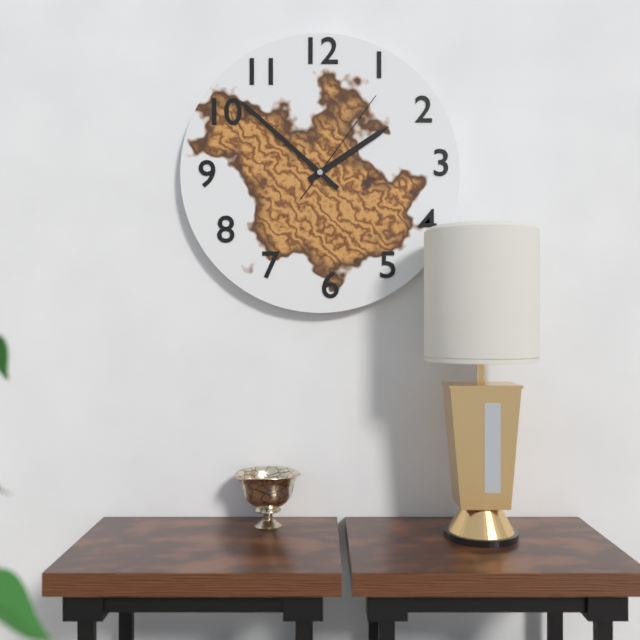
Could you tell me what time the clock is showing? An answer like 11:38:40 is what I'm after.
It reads 1:52:06
